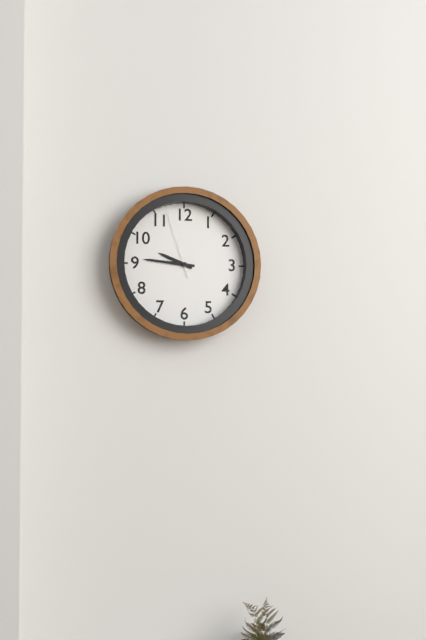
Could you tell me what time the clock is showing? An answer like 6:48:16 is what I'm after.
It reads 9:46:57
